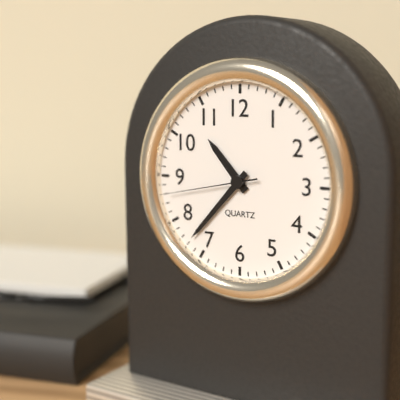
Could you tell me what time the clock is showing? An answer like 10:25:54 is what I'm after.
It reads 10:37:43
